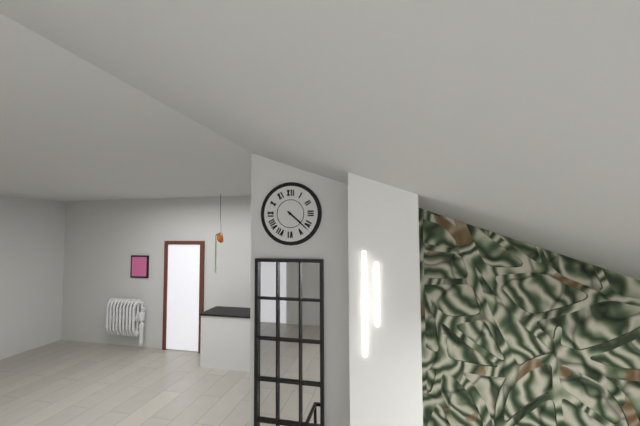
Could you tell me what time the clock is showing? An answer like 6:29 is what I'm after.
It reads 4:22
